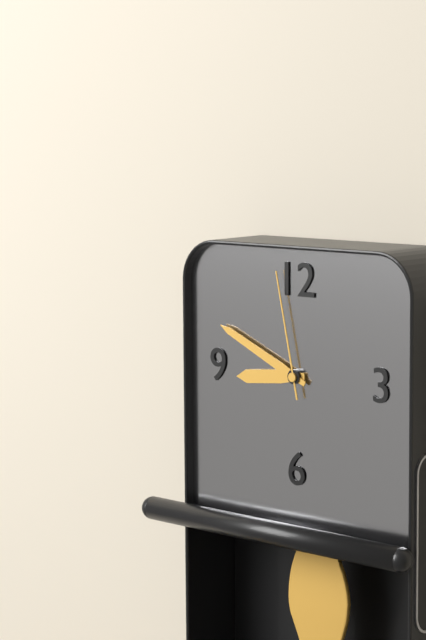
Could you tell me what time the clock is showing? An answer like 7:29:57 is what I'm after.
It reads 8:49:58
